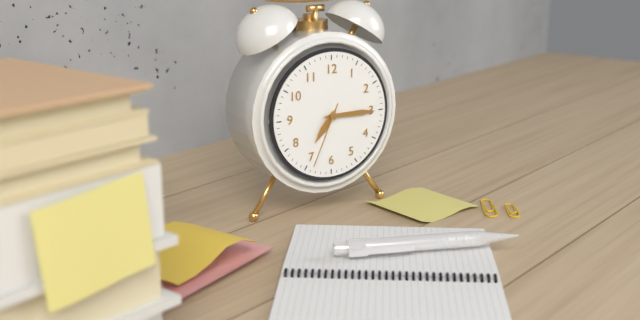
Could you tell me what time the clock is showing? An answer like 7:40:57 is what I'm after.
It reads 7:15:34
